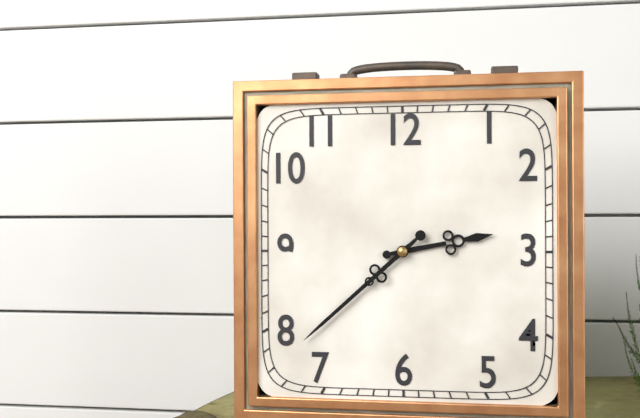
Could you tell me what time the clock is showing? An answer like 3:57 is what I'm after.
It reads 2:38
